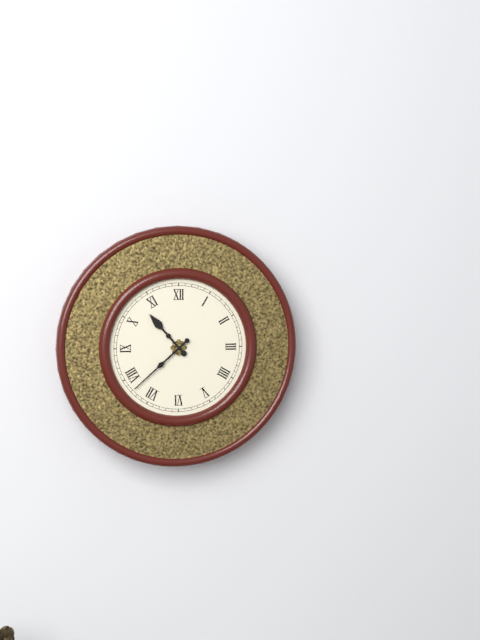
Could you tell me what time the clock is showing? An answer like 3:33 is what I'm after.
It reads 10:38
